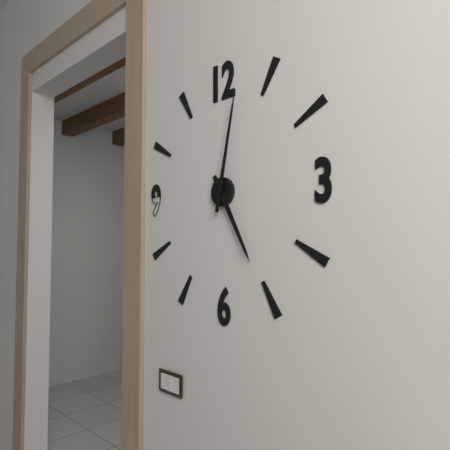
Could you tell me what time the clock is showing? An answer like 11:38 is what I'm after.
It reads 5:02
